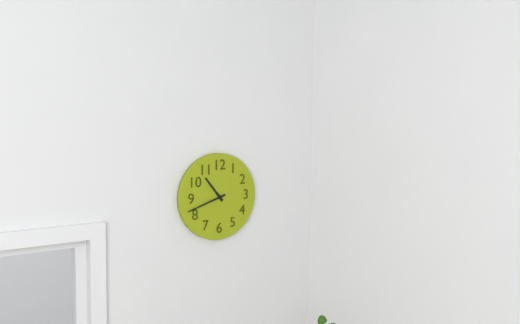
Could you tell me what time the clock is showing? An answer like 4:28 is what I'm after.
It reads 10:42
